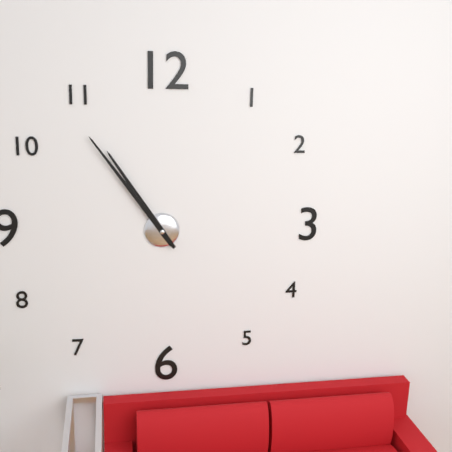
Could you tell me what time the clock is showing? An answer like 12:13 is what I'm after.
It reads 10:54
